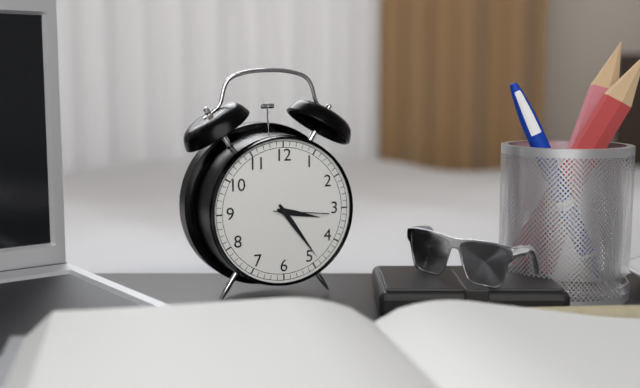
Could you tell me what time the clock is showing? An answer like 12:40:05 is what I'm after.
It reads 3:24:16
